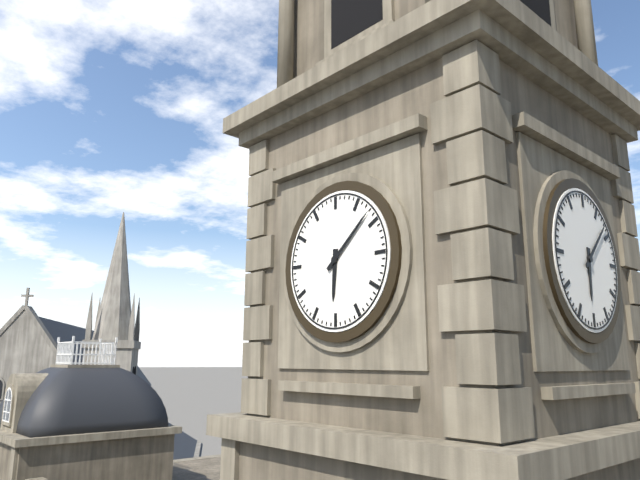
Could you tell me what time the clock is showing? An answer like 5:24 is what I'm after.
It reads 6:08
